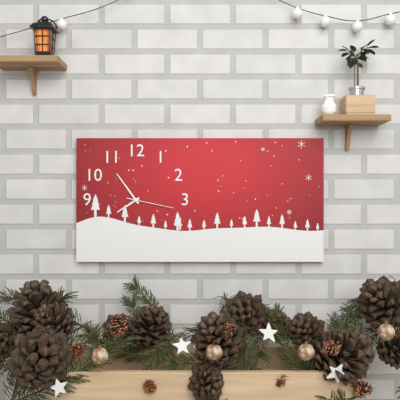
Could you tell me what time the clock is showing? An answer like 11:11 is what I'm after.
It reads 7:54
